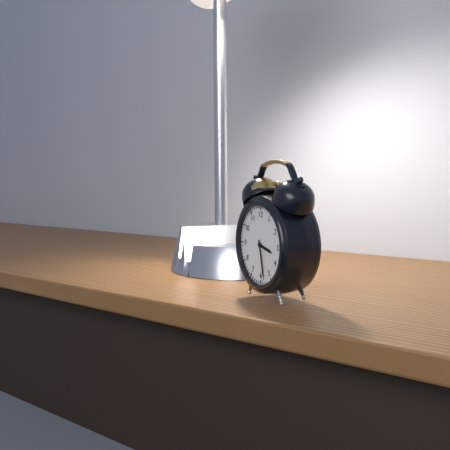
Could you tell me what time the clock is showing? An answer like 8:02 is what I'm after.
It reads 3:28
